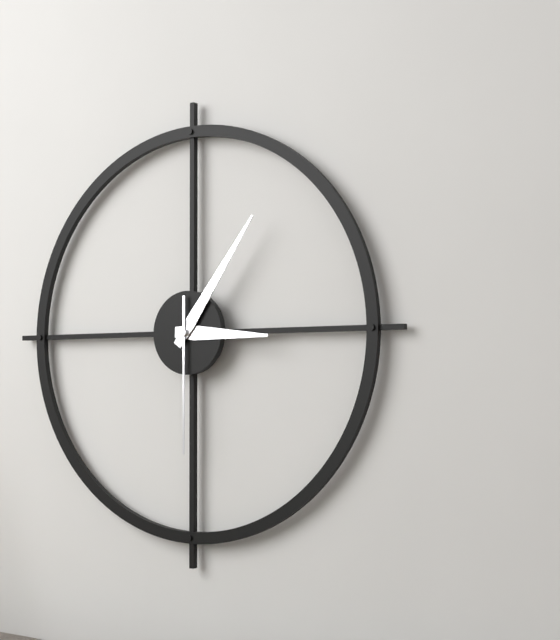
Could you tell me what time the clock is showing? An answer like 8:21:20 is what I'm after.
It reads 3:06:30
